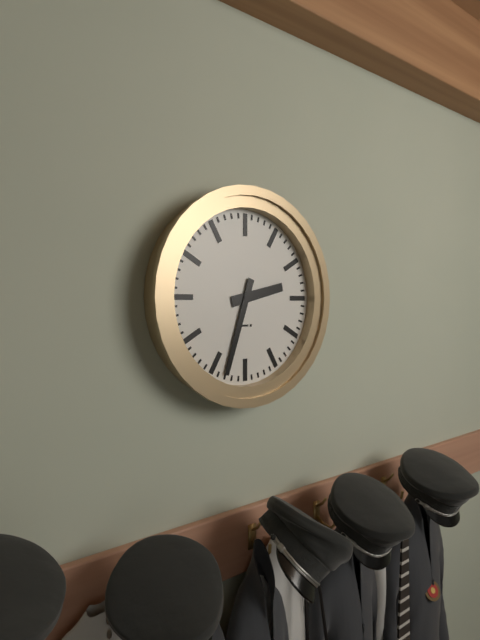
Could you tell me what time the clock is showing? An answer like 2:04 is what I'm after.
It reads 2:33
